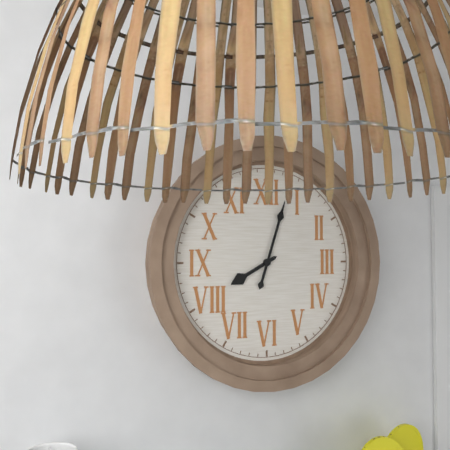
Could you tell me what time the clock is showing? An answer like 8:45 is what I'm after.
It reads 8:03
